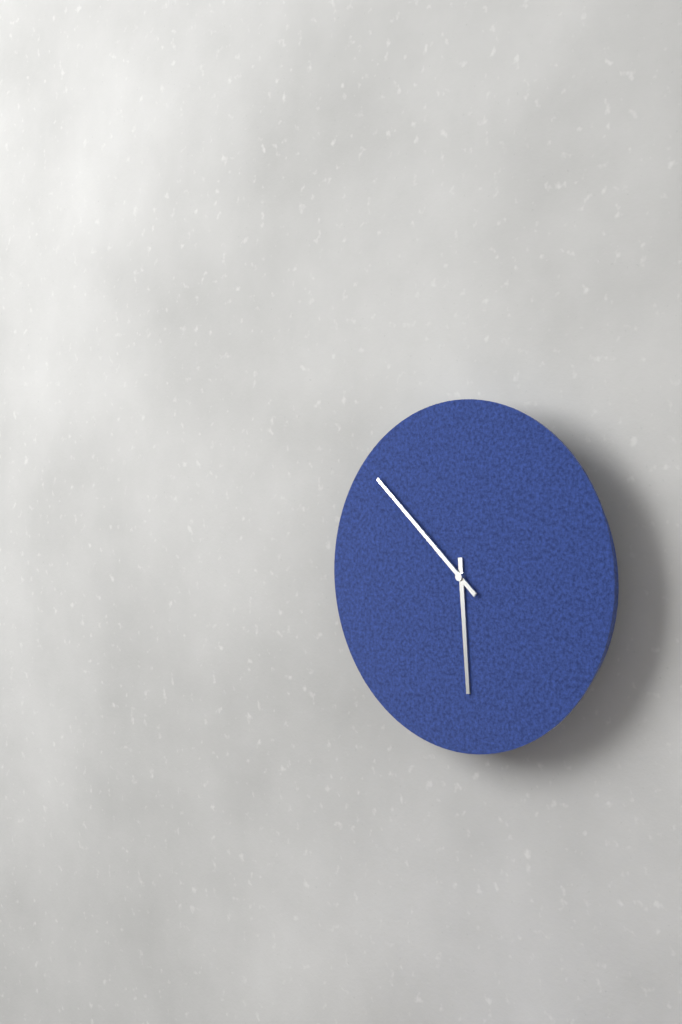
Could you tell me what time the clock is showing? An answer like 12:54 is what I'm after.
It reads 5:52
